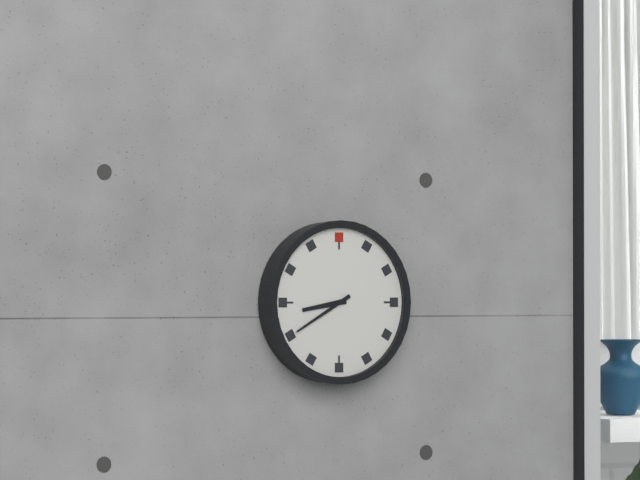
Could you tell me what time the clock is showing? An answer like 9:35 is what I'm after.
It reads 8:40
